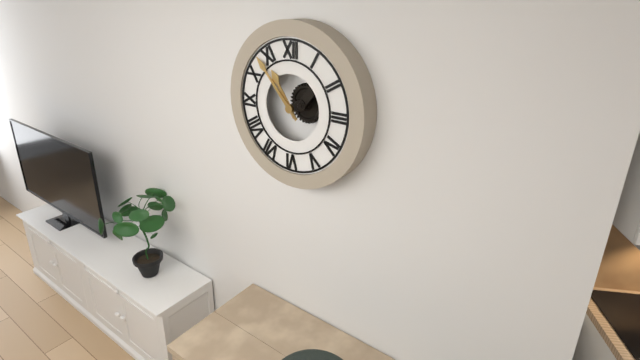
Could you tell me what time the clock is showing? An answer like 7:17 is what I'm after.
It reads 10:53
